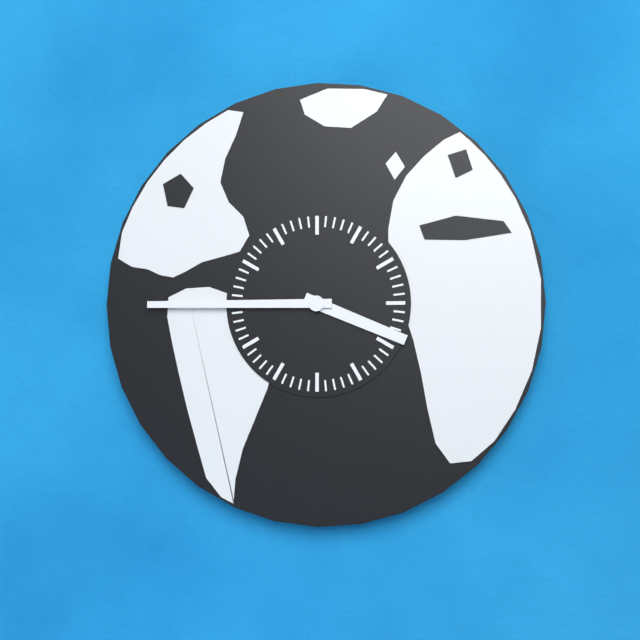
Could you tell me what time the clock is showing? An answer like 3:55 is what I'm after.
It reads 3:45
